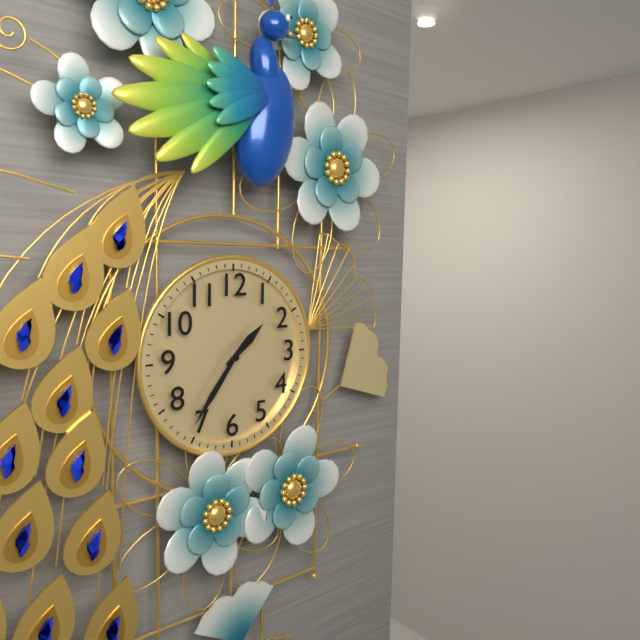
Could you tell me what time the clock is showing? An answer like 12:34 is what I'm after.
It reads 1:36
